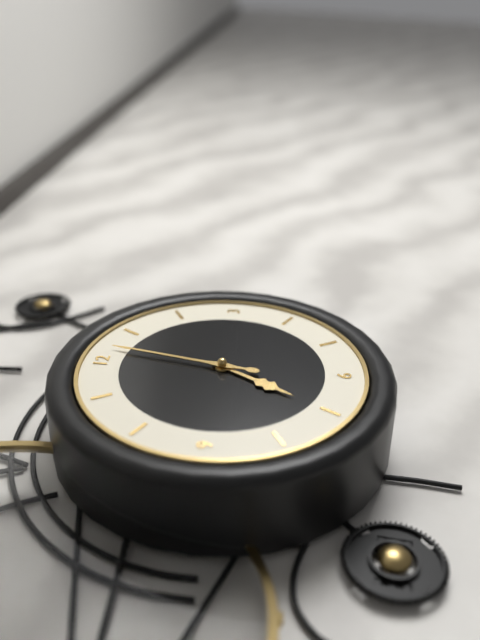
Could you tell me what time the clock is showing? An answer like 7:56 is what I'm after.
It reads 7:02
